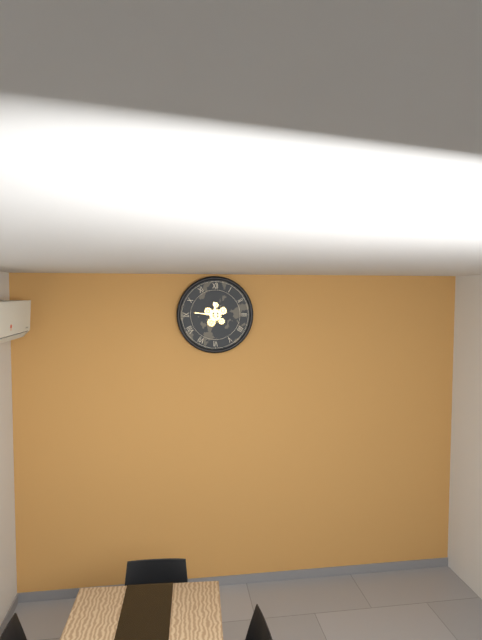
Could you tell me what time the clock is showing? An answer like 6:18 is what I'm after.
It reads 11:46
